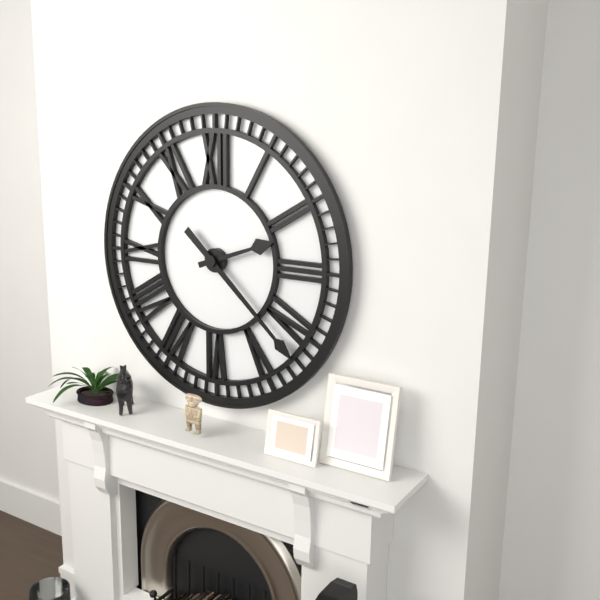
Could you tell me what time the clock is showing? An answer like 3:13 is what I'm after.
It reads 2:22
